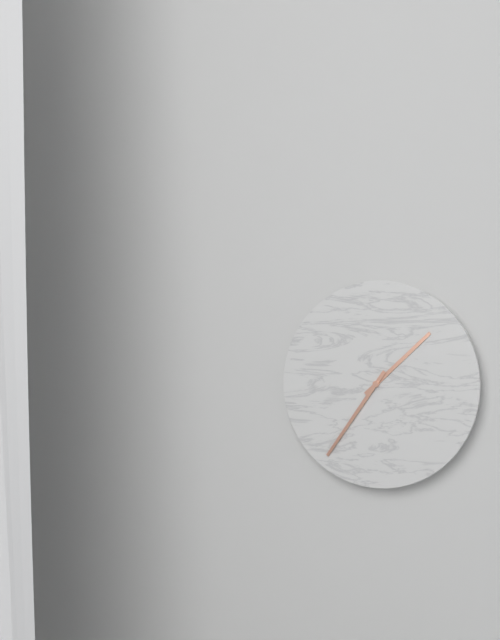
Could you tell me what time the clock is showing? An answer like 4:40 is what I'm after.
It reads 1:36
